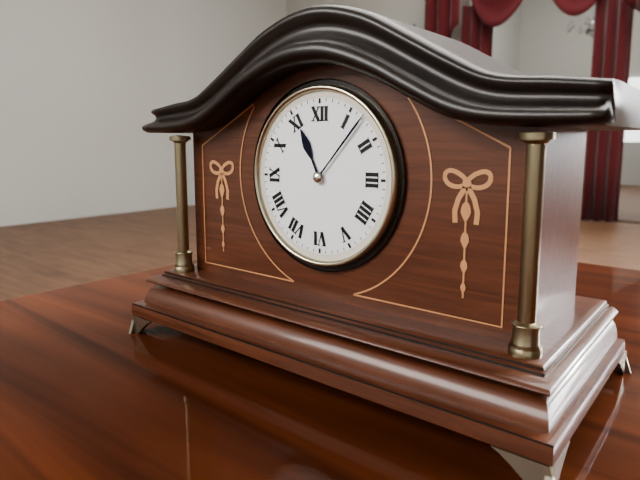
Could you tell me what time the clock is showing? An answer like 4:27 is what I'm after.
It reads 11:07
